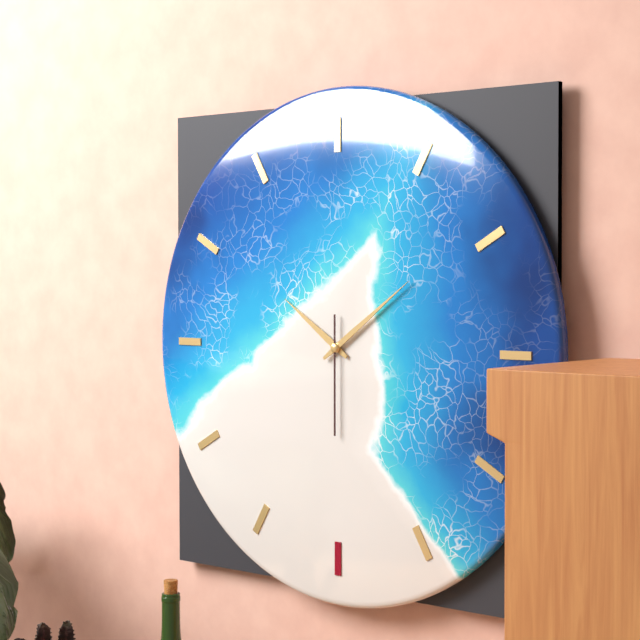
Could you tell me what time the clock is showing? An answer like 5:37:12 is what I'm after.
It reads 10:09:30
